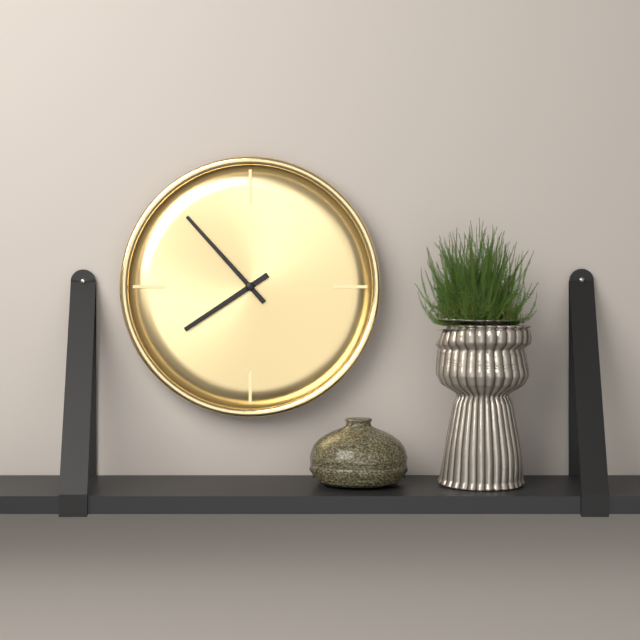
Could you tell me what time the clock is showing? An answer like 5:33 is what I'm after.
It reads 7:53
